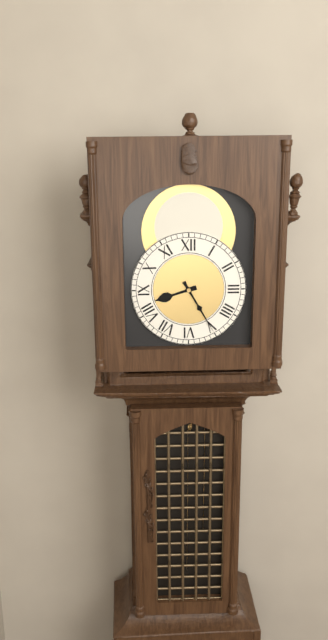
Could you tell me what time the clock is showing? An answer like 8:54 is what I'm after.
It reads 8:25
